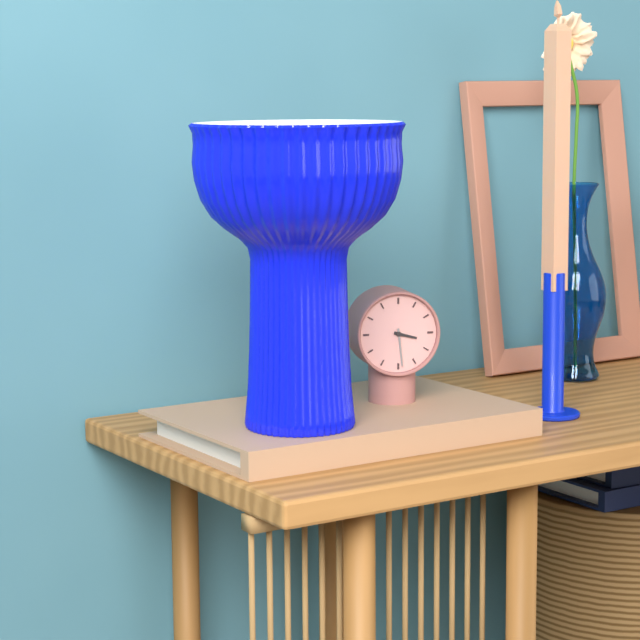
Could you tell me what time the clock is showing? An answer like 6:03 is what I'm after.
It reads 3:29
